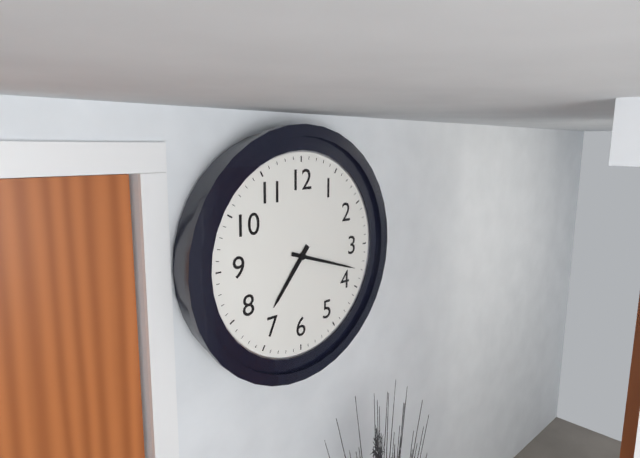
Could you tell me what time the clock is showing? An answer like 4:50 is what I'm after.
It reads 7:18
